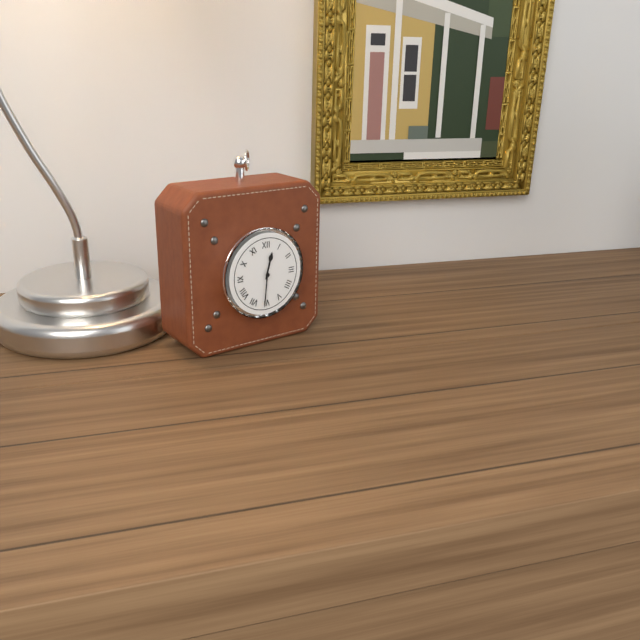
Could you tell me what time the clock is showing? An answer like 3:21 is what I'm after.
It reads 12:31
